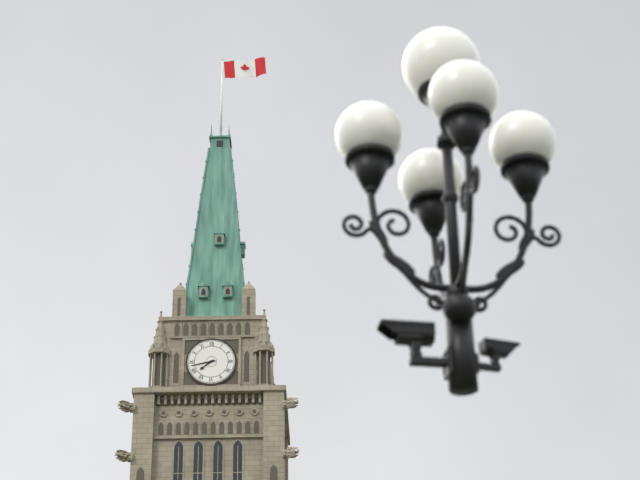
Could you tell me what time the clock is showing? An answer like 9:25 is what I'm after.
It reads 7:43
